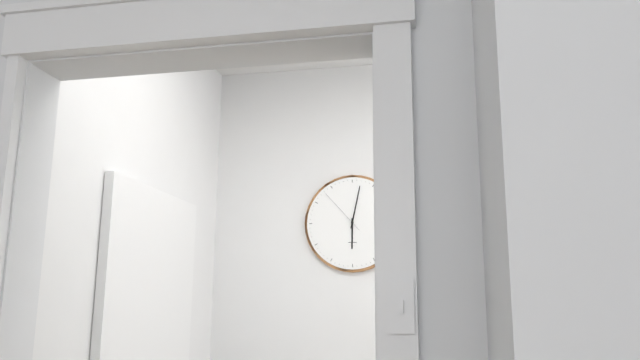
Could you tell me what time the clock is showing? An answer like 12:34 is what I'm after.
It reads 6:02
